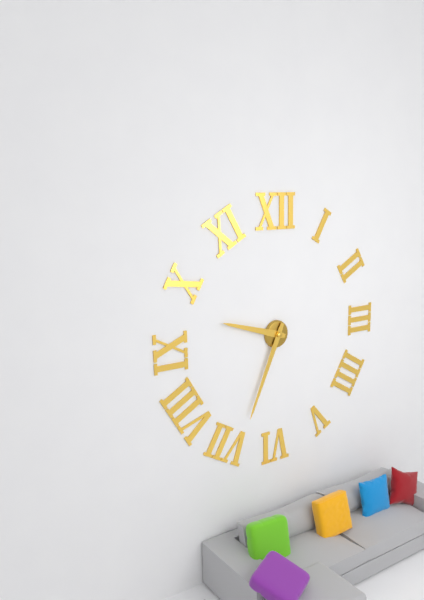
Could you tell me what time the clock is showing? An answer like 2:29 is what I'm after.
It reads 9:34
